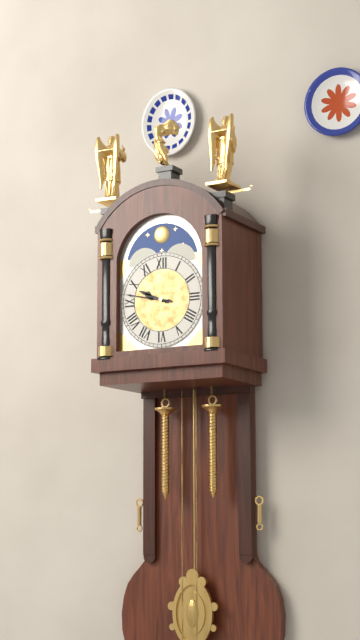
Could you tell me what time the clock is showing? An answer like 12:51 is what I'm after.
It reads 9:47
